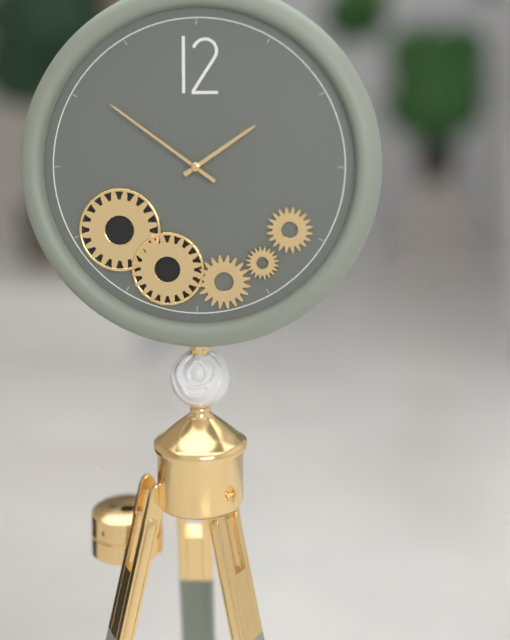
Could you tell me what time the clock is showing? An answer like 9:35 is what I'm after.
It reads 1:51
